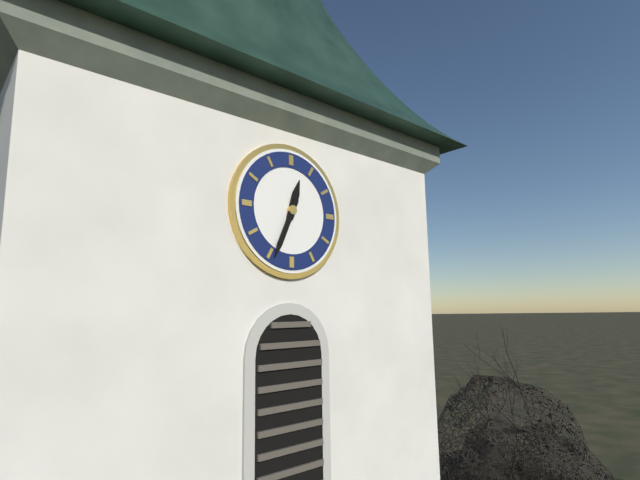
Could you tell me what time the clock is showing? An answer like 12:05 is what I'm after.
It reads 12:34
